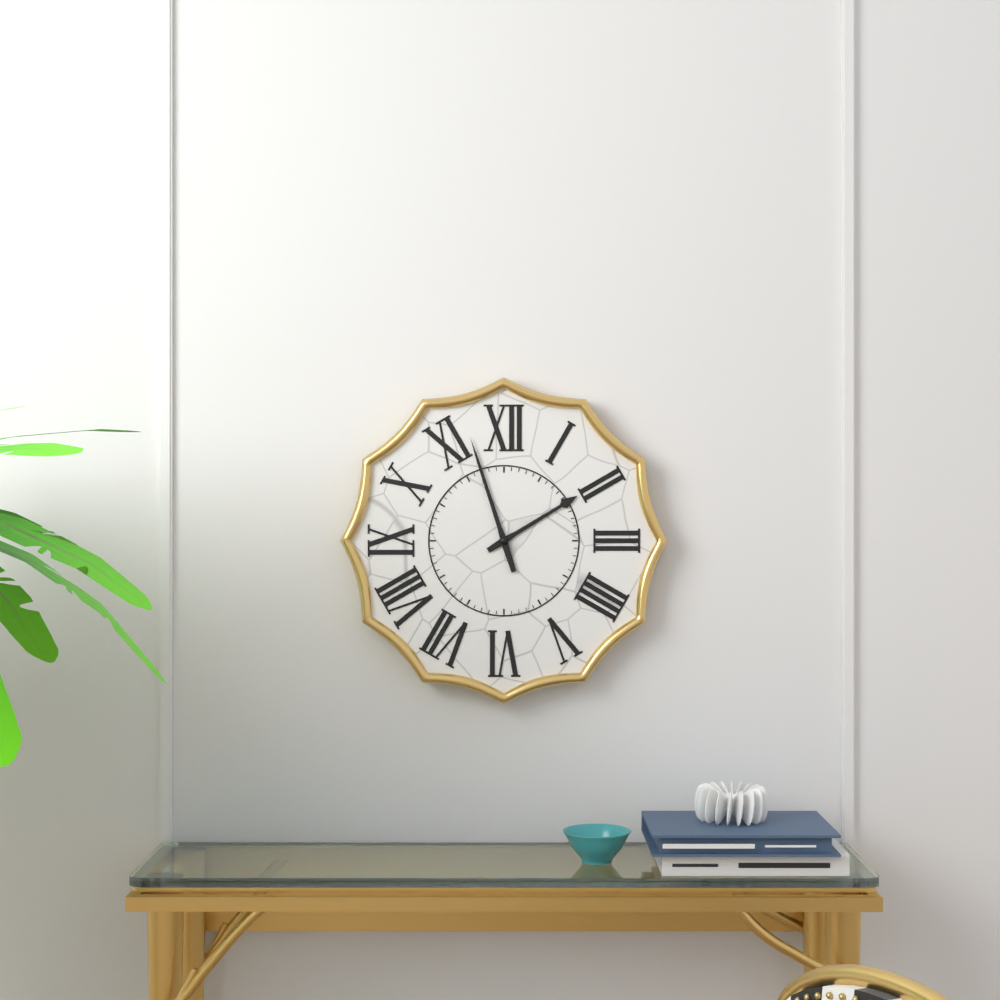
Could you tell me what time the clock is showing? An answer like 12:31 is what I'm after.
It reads 1:57
